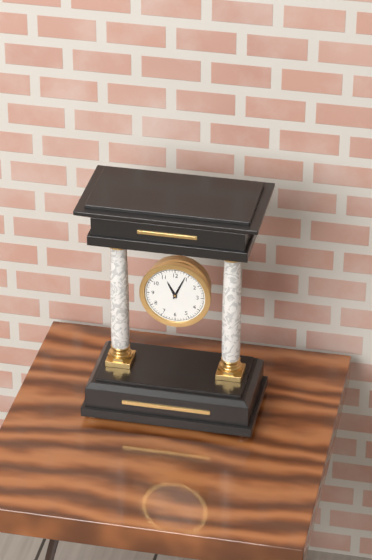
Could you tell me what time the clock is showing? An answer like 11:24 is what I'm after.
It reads 11:04
